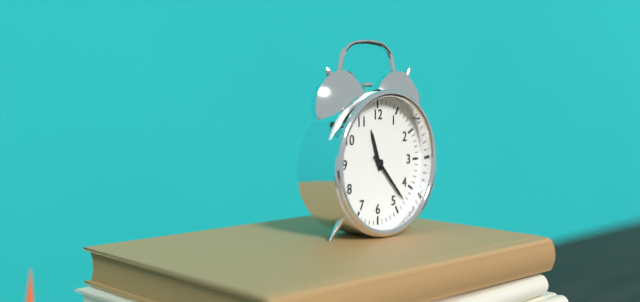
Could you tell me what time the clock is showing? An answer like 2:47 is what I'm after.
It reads 11:23
